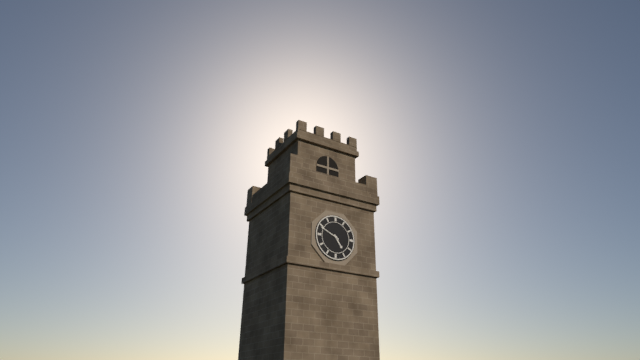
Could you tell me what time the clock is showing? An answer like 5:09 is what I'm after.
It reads 4:49
